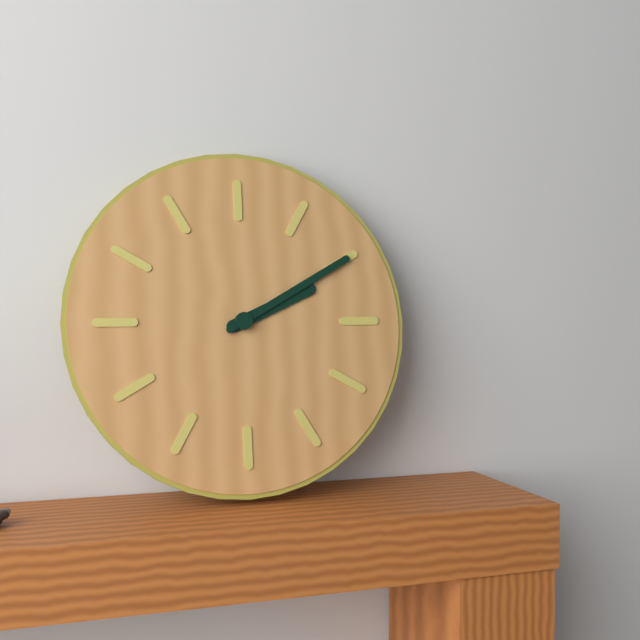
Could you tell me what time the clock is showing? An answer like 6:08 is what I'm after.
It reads 2:10
